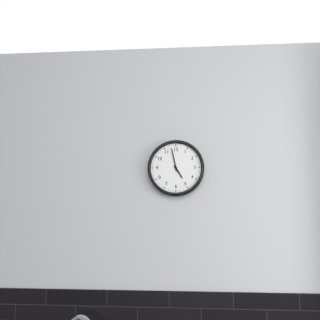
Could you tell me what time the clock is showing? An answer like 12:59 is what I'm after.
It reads 4:58
